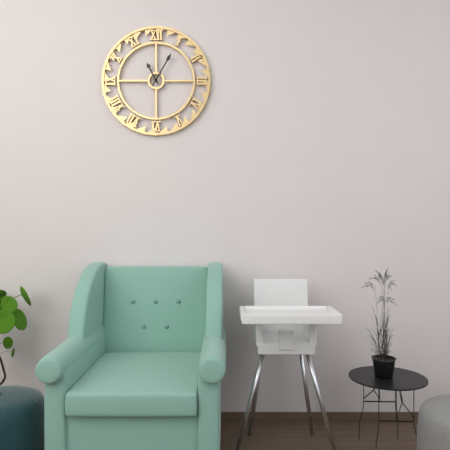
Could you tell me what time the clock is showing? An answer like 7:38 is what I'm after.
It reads 11:05
